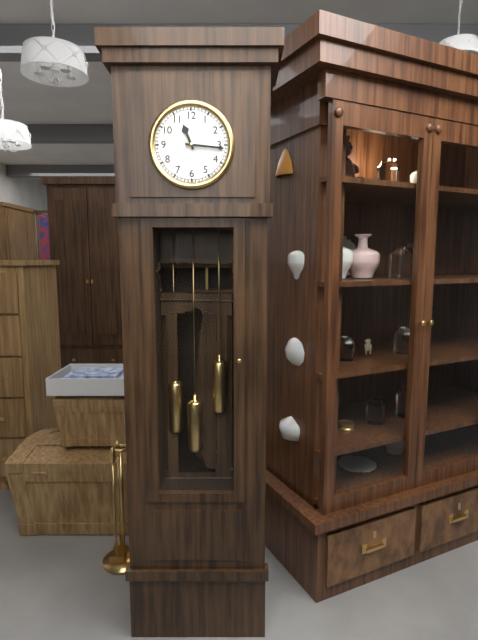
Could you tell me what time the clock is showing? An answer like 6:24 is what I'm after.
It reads 11:16
